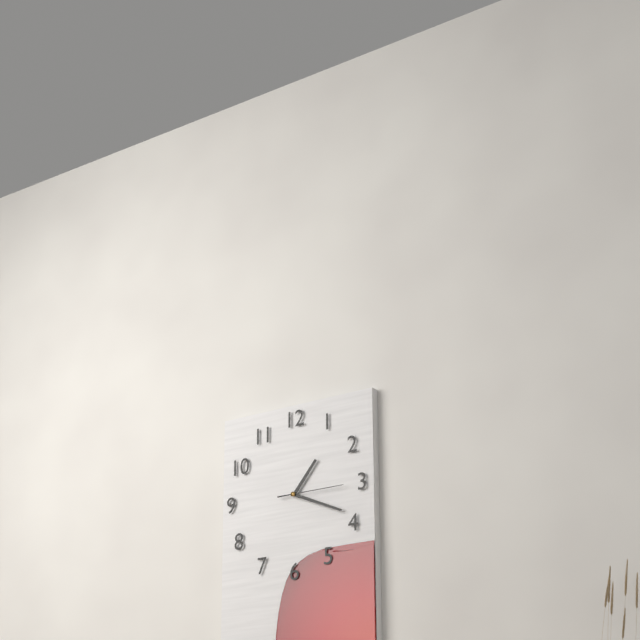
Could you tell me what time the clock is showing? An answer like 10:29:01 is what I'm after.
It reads 1:19:15
